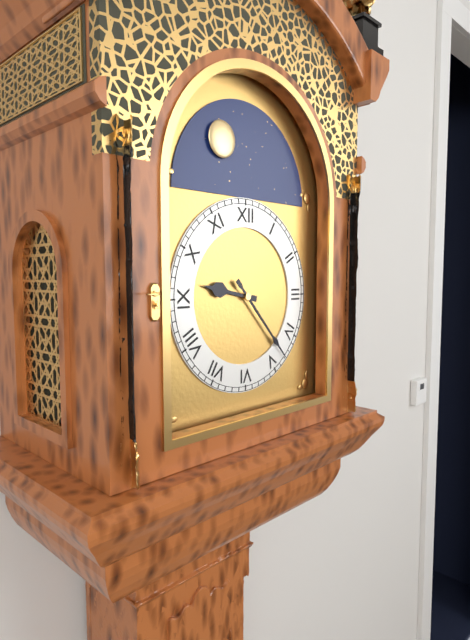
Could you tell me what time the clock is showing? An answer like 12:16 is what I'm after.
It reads 9:23
